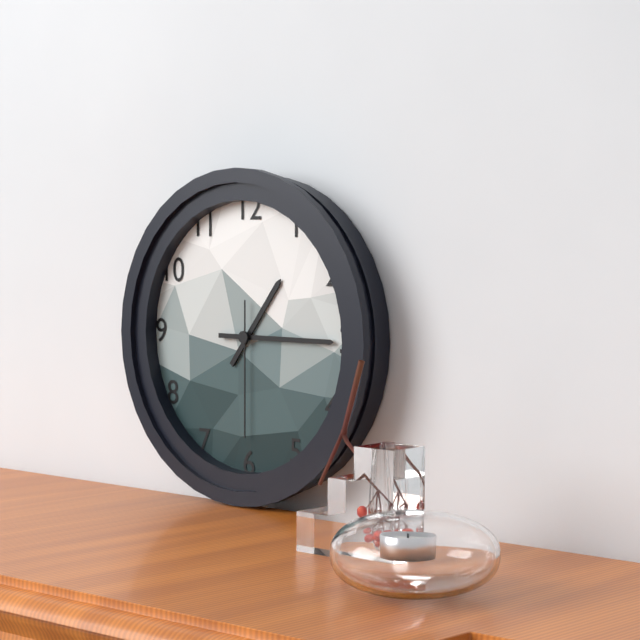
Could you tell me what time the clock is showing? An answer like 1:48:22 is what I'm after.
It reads 1:15:30
